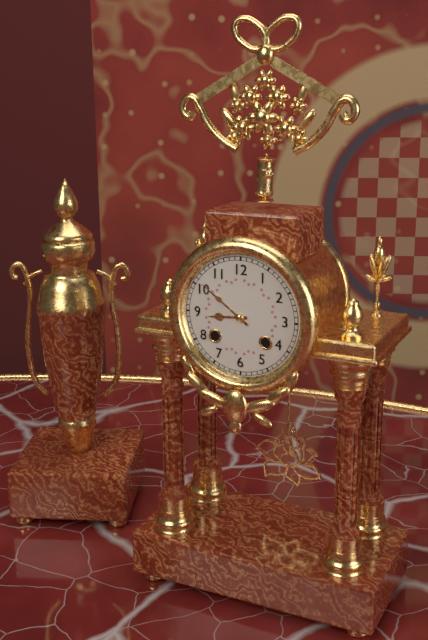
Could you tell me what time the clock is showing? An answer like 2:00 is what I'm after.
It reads 8:51
